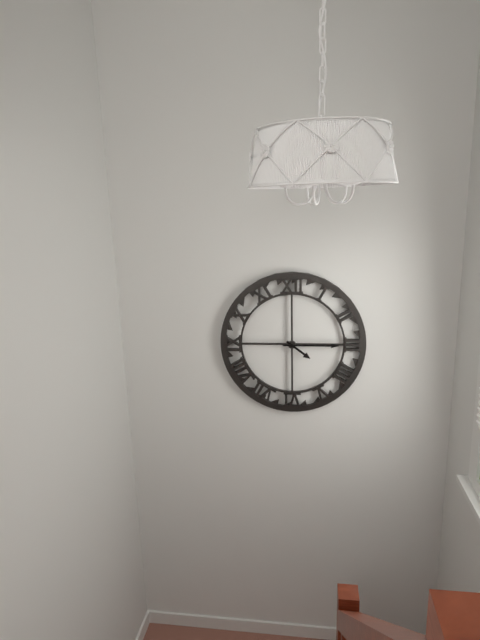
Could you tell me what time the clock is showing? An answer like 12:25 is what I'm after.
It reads 4:15
